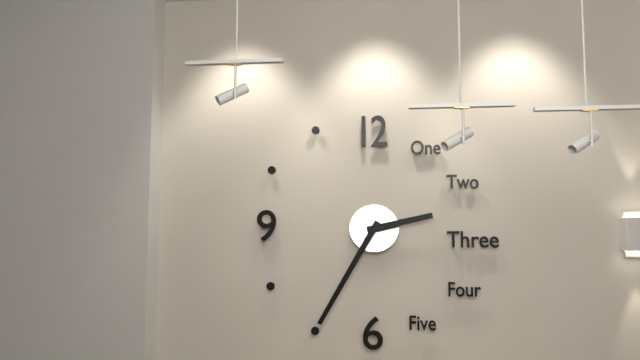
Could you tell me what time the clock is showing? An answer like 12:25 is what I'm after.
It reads 2:35
